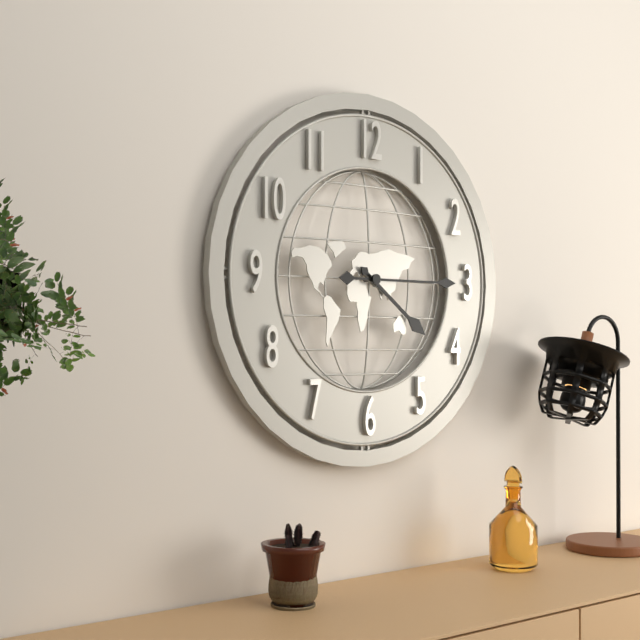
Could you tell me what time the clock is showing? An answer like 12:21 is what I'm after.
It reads 4:15
